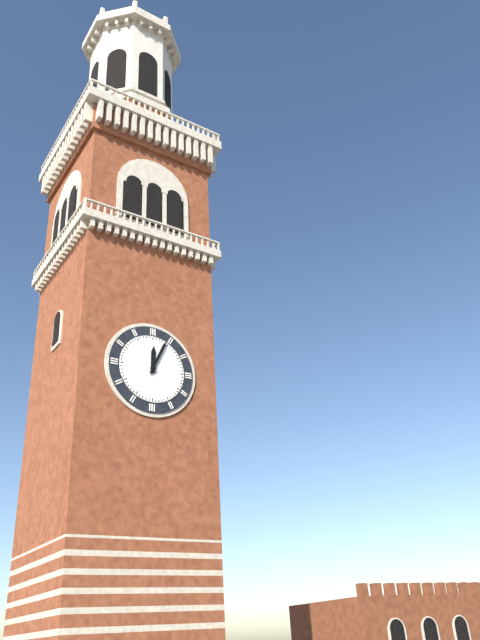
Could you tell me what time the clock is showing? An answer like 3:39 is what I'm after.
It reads 12:04
